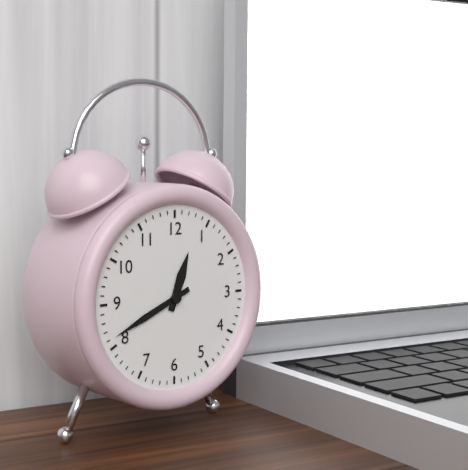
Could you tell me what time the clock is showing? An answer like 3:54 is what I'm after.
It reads 12:41
